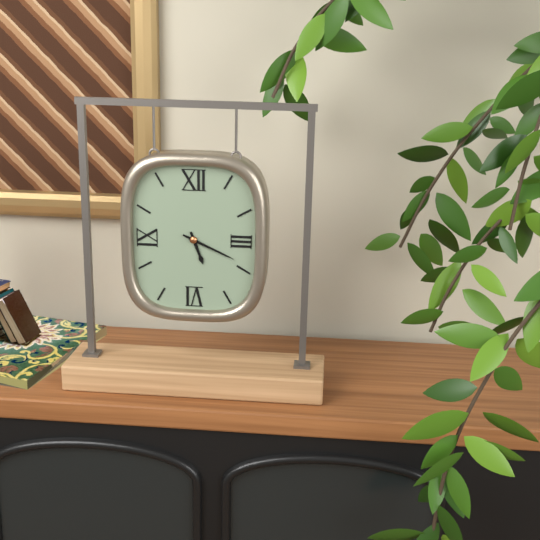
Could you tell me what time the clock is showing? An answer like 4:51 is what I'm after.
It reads 5:19
